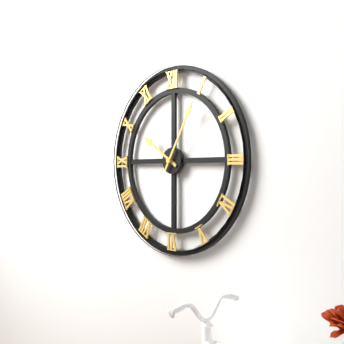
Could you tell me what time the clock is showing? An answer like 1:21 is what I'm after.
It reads 10:05
